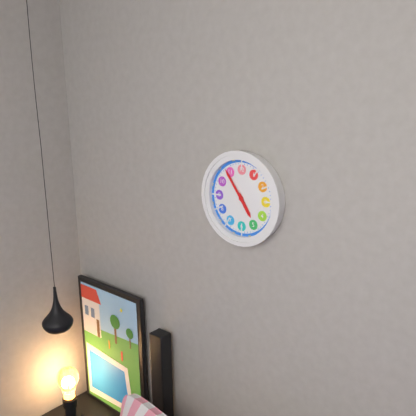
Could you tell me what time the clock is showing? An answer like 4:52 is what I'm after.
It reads 4:54
